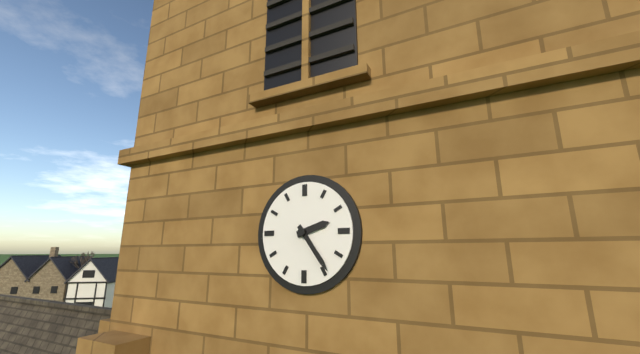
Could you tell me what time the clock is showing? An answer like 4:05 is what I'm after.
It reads 2:24
